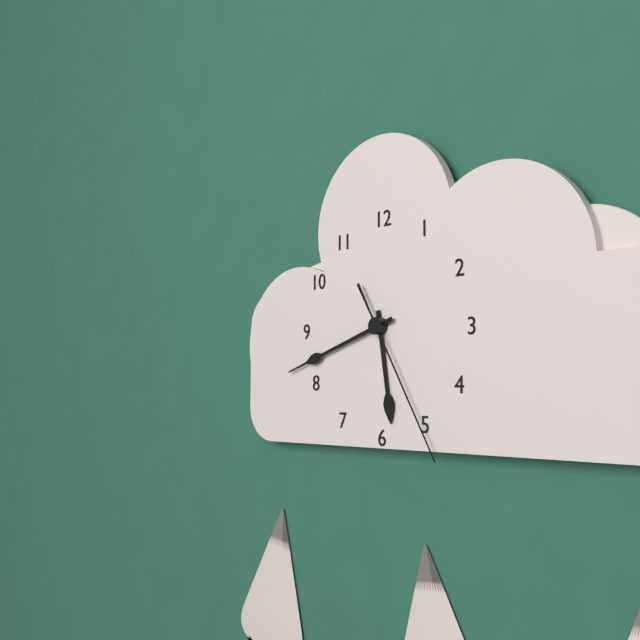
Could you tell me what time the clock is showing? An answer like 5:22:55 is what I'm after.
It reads 5:42:25
